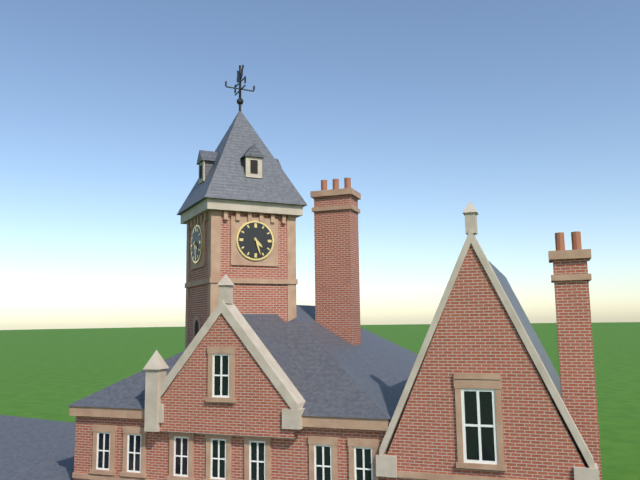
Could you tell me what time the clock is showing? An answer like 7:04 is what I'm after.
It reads 4:27
